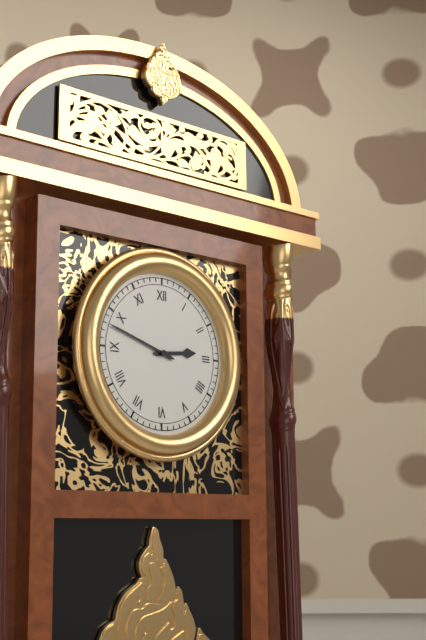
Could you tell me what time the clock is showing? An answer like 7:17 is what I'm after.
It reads 2:48
